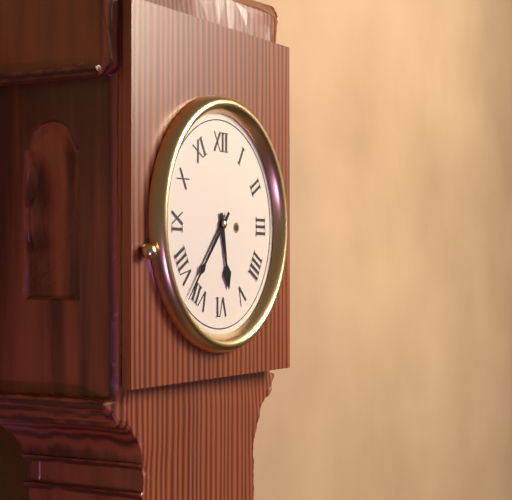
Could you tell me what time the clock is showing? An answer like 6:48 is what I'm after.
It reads 5:37
